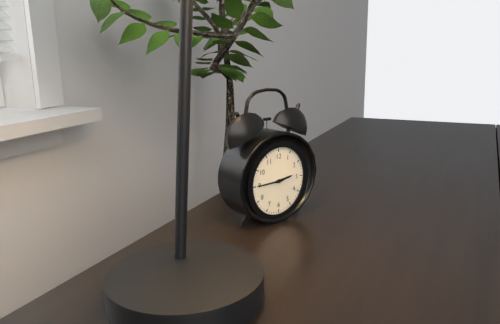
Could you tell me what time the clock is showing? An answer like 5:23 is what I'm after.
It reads 2:45
